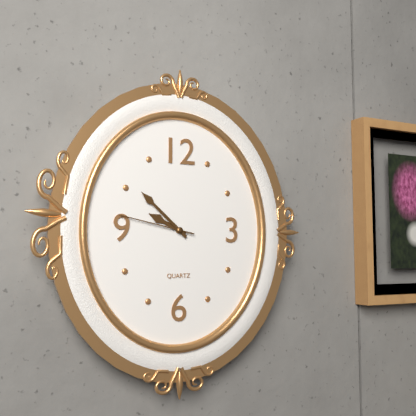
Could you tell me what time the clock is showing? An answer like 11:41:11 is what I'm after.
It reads 9:52:47
